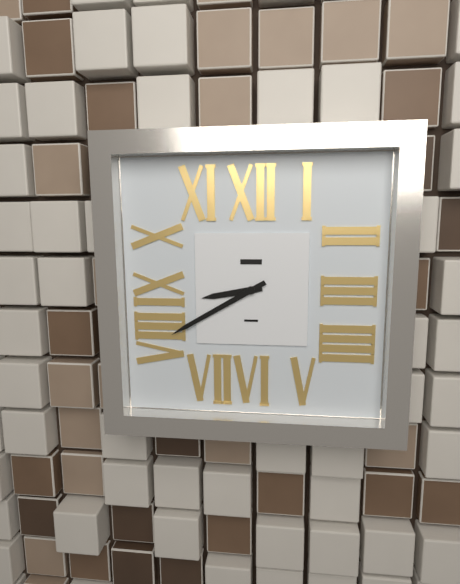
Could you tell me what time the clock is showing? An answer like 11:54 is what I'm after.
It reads 8:40
